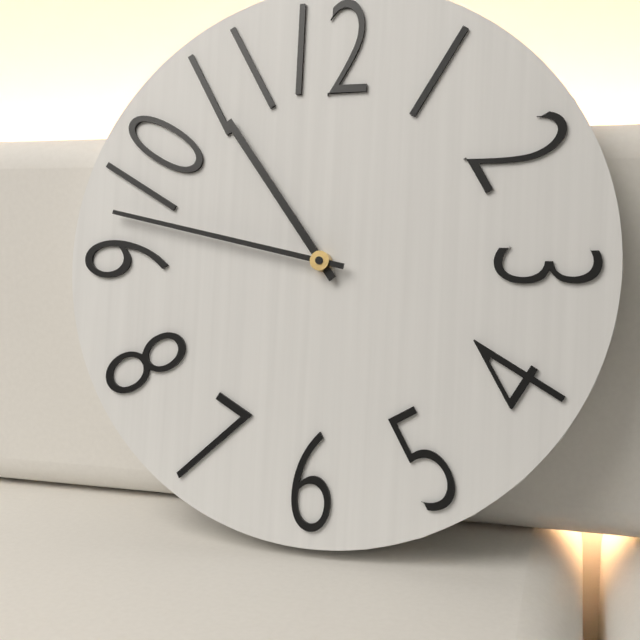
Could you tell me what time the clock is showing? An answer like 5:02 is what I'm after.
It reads 10:47
